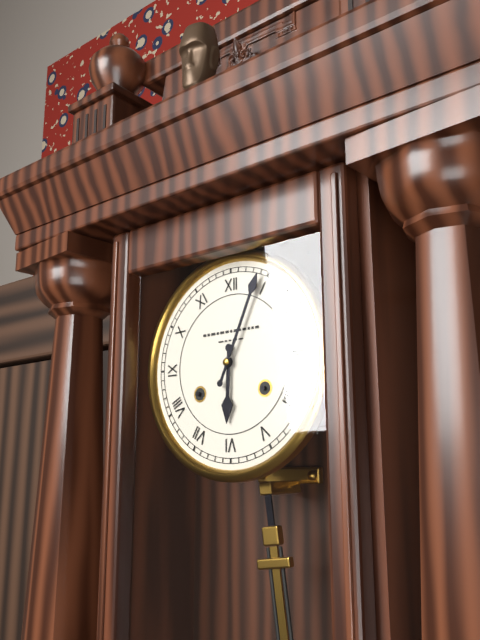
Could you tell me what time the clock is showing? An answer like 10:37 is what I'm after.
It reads 6:04
